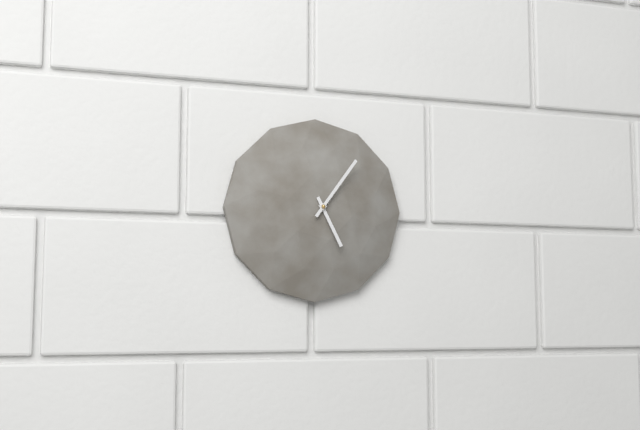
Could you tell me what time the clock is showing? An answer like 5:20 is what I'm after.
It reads 5:06
